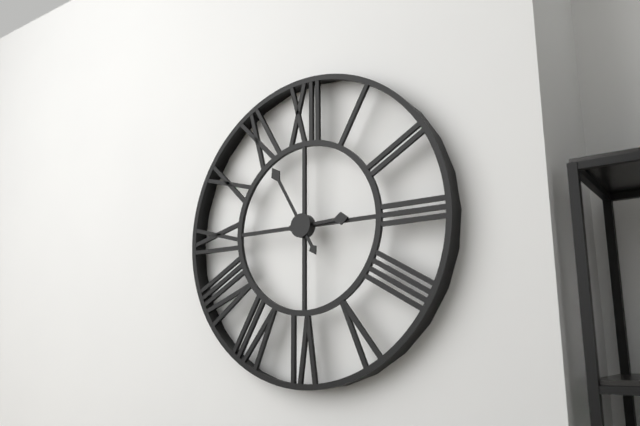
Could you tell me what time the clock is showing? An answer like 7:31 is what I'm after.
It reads 2:55
